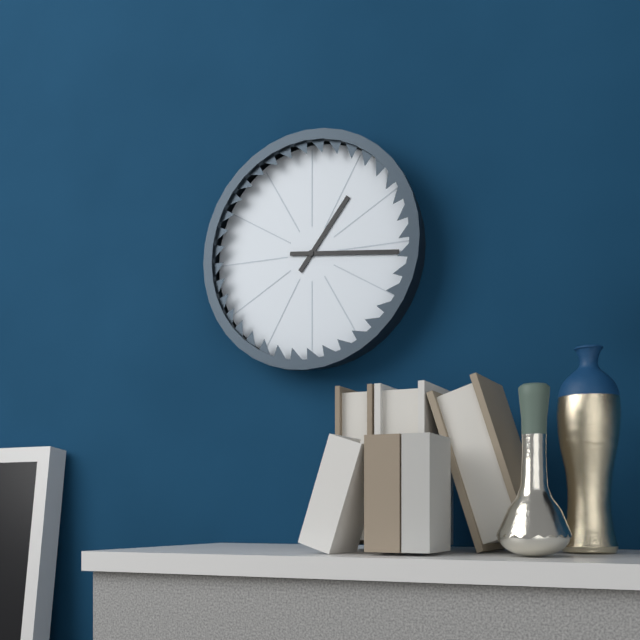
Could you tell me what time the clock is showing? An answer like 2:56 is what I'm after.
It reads 1:16
